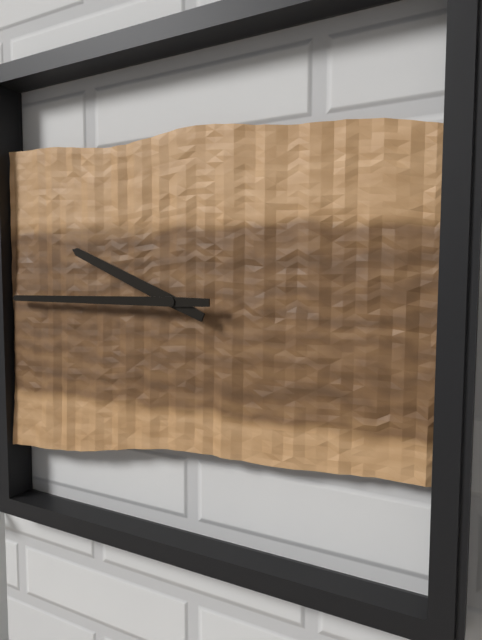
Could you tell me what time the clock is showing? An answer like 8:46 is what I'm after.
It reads 9:45
